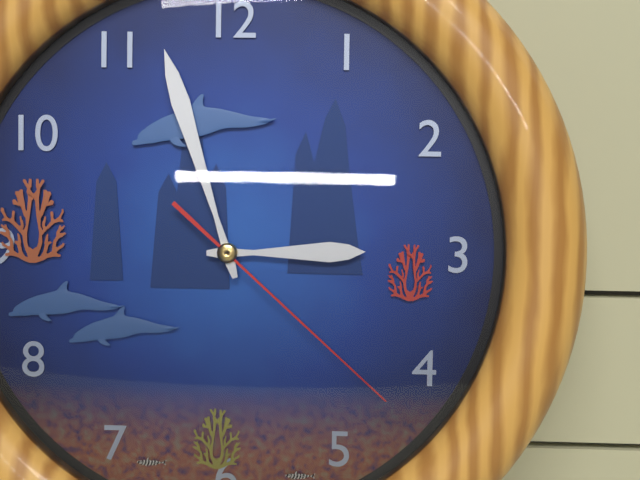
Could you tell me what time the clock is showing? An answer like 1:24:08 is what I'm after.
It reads 2:57:22
